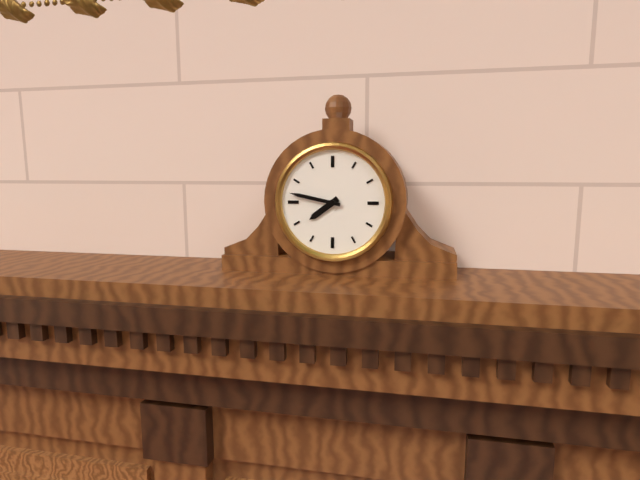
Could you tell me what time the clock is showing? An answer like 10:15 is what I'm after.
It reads 7:47
